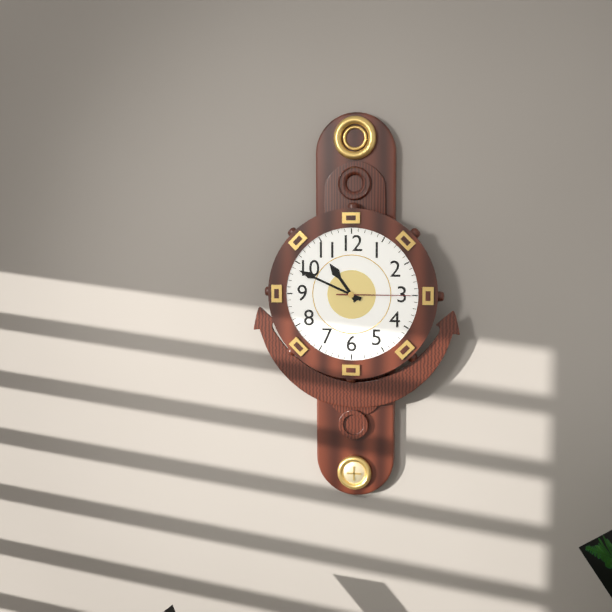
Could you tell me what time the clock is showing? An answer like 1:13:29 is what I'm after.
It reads 10:49:15
